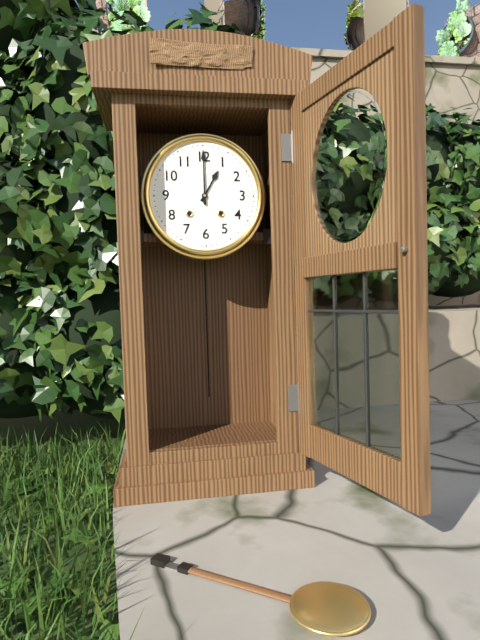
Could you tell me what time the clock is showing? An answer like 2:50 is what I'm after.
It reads 1:00
